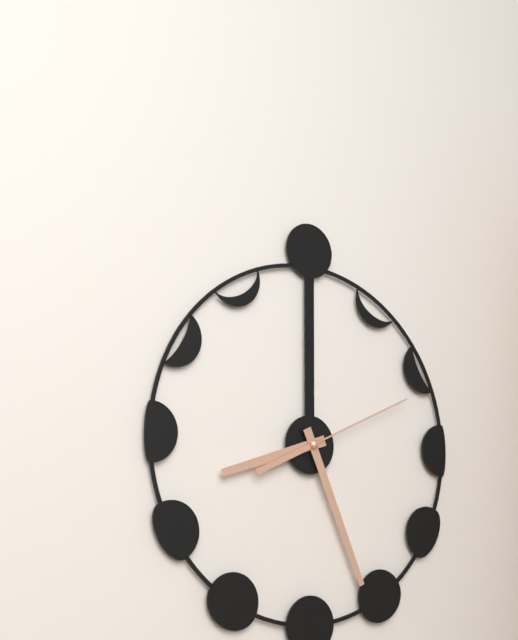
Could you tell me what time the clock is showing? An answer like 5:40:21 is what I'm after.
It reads 8:26:11
